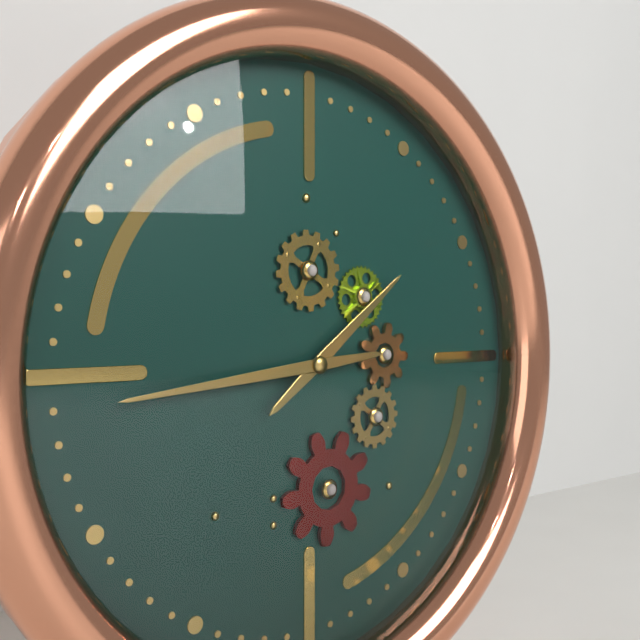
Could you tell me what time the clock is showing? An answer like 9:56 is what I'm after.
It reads 1:44
